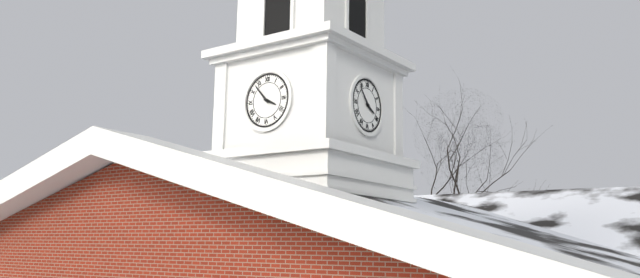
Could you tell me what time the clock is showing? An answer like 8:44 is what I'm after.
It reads 3:53
